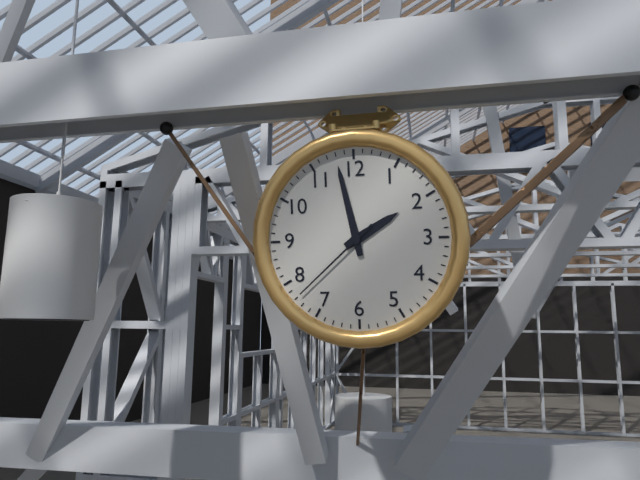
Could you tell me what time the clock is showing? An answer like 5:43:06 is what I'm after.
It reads 1:58:38
